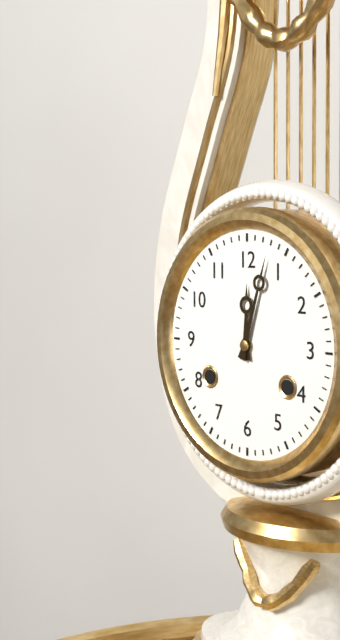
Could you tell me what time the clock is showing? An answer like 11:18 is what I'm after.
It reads 12:03
